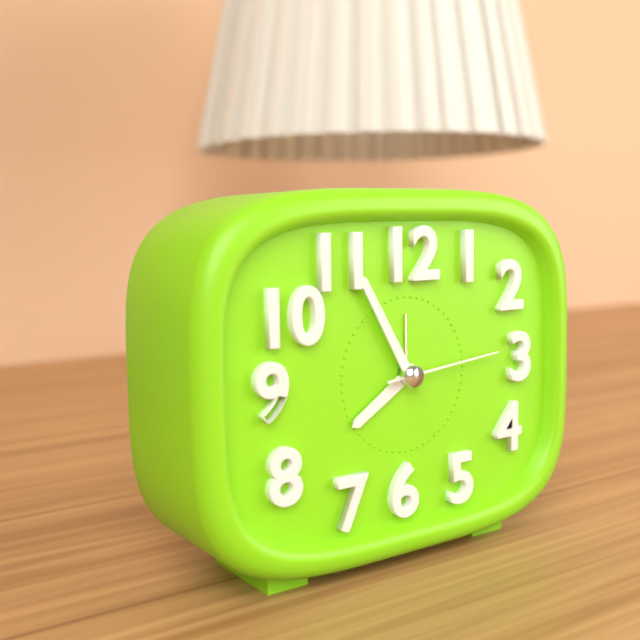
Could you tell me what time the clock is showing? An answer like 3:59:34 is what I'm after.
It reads 7:55:14
